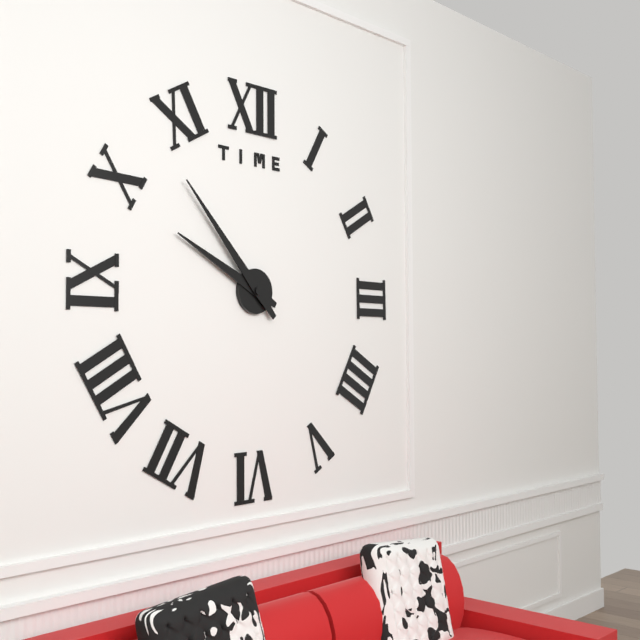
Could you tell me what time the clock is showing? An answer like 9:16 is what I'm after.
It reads 9:53
